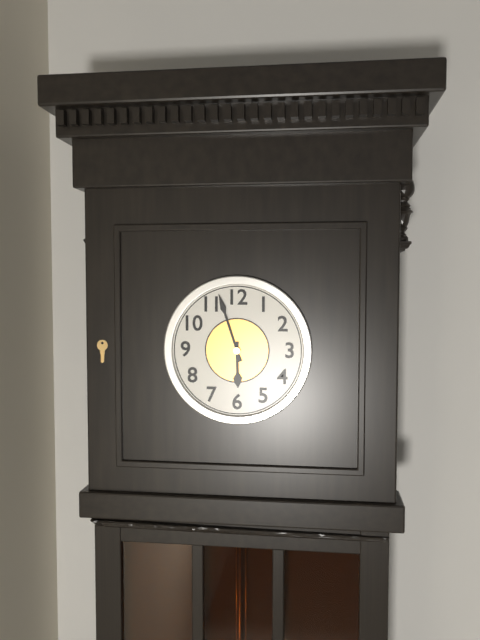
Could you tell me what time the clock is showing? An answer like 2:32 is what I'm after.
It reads 5:57
